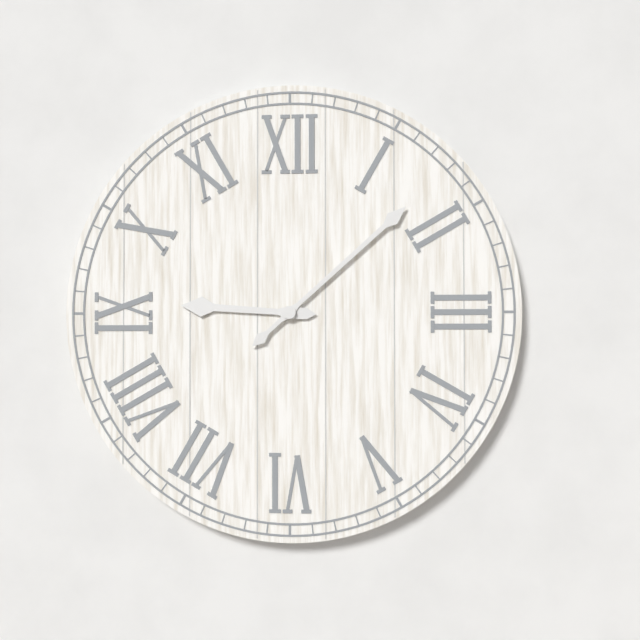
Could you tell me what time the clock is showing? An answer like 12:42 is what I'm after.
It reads 9:08
